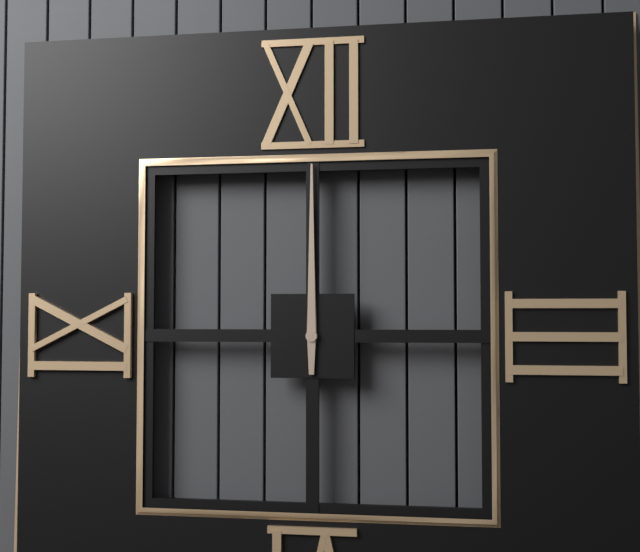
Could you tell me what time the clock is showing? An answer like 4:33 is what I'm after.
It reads 12:00
